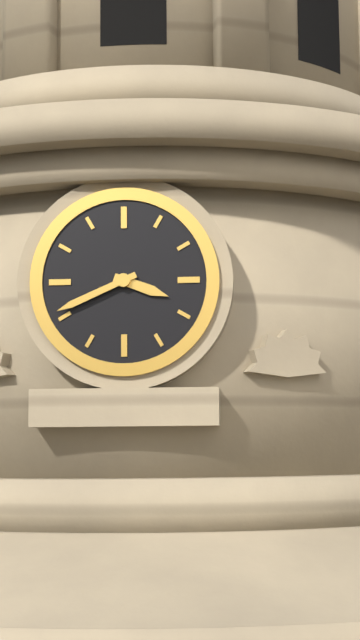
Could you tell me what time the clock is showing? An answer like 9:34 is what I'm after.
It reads 3:41
